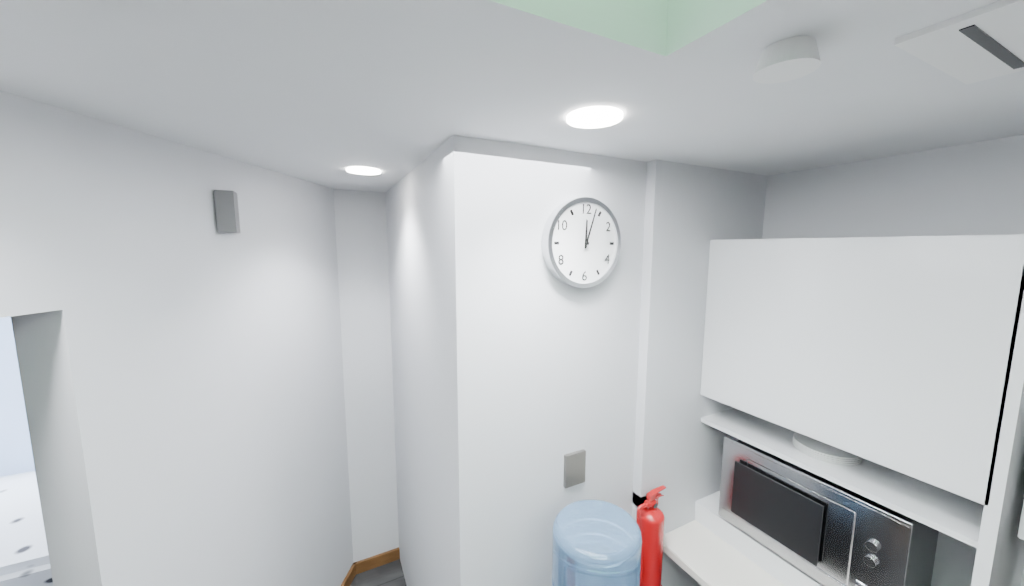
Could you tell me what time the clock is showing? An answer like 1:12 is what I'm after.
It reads 12:03
